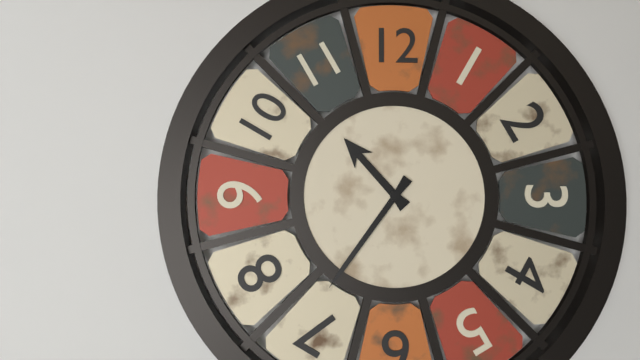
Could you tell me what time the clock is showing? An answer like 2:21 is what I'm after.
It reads 10:36
